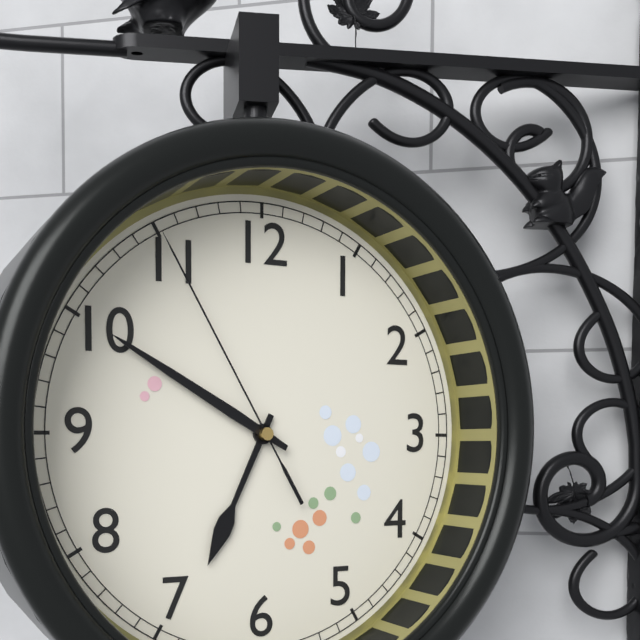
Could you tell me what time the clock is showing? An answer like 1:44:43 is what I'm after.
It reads 6:50:55
